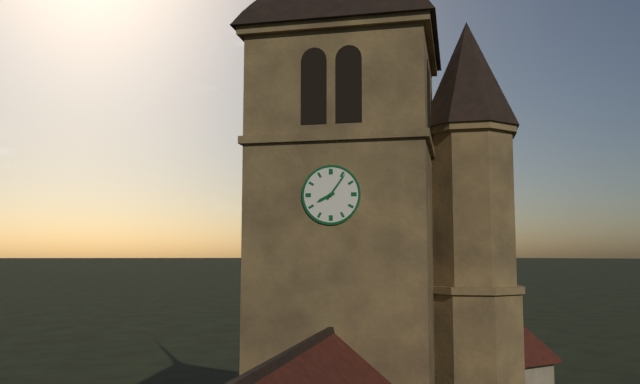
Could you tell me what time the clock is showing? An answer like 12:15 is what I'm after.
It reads 8:06
